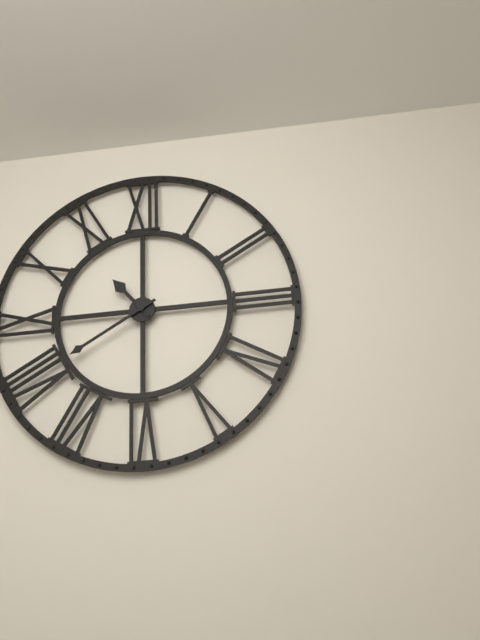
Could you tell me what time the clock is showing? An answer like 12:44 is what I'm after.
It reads 10:40
